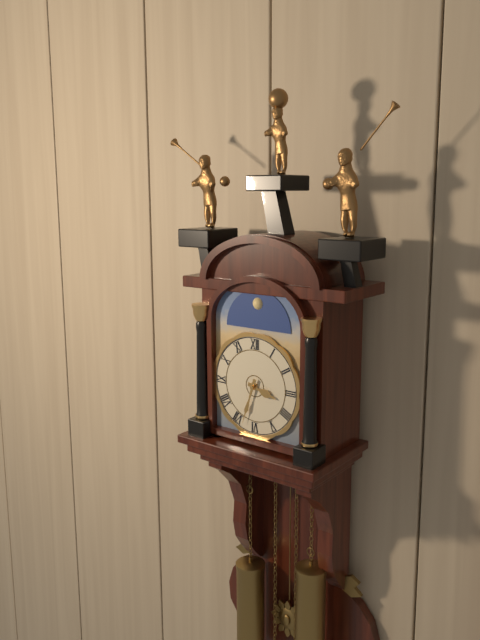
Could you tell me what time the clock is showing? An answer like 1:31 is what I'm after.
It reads 3:33
